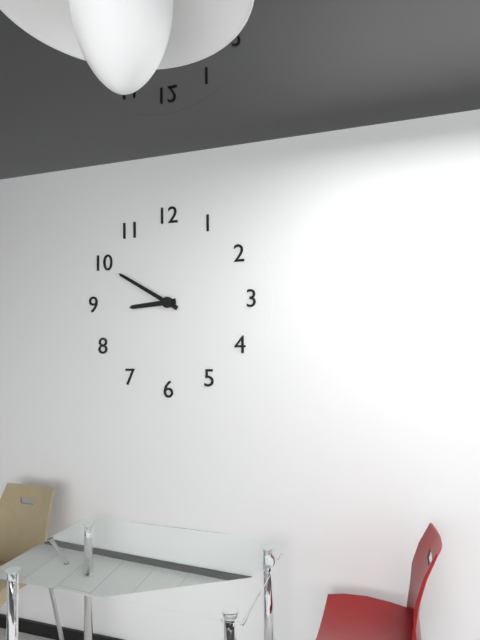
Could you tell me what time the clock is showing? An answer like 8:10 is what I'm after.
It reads 8:50
